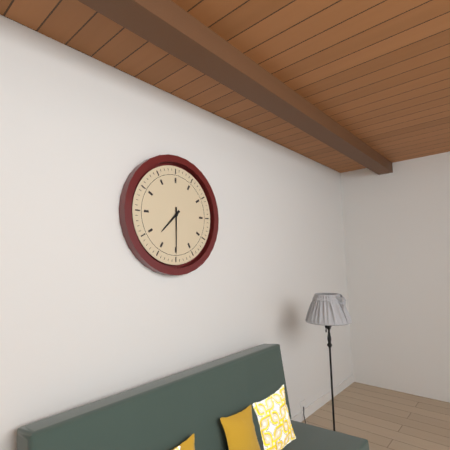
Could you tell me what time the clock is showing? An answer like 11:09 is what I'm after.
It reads 7:30
